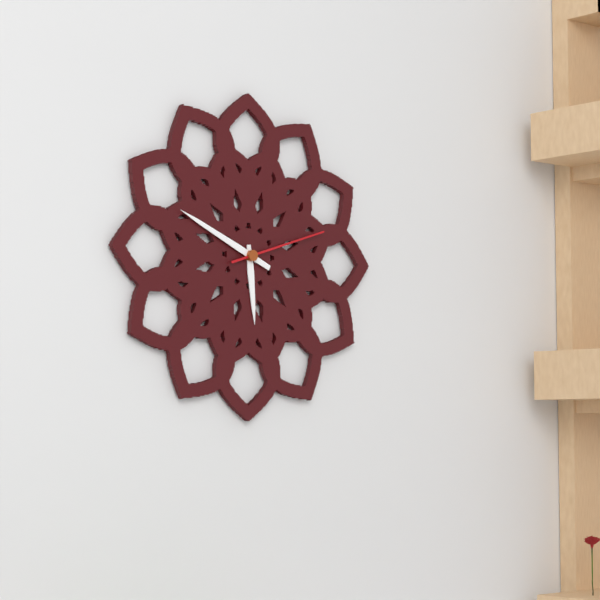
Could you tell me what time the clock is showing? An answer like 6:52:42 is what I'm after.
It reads 5:49:12
